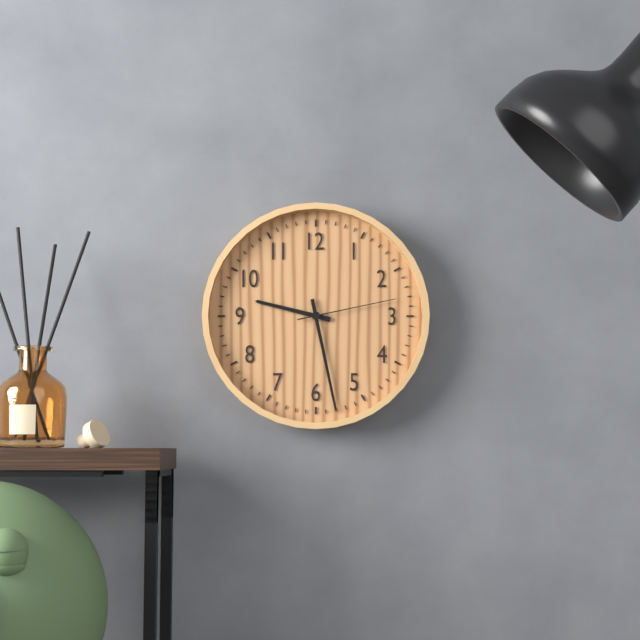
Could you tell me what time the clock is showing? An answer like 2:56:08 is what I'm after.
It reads 9:28:13
